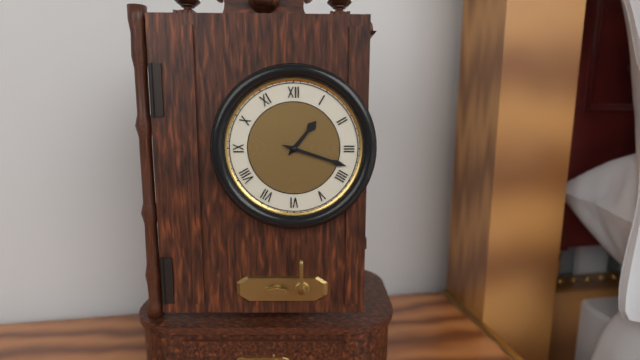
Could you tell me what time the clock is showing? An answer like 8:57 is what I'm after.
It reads 1:18
